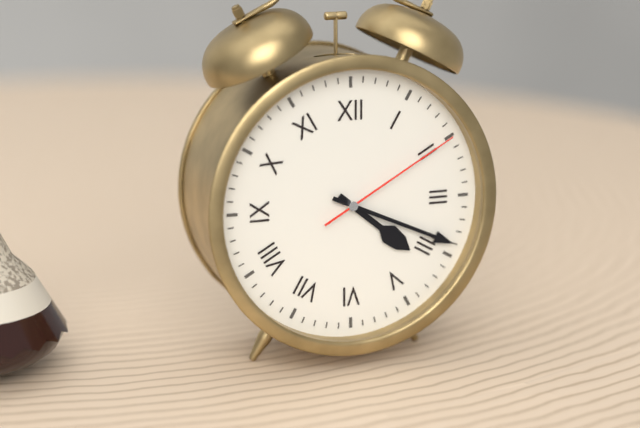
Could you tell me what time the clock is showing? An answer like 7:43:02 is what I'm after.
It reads 4:19:10
